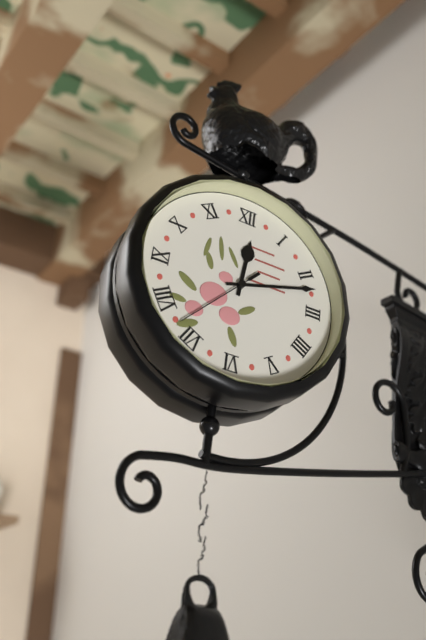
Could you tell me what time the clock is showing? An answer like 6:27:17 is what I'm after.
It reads 12:12:37
